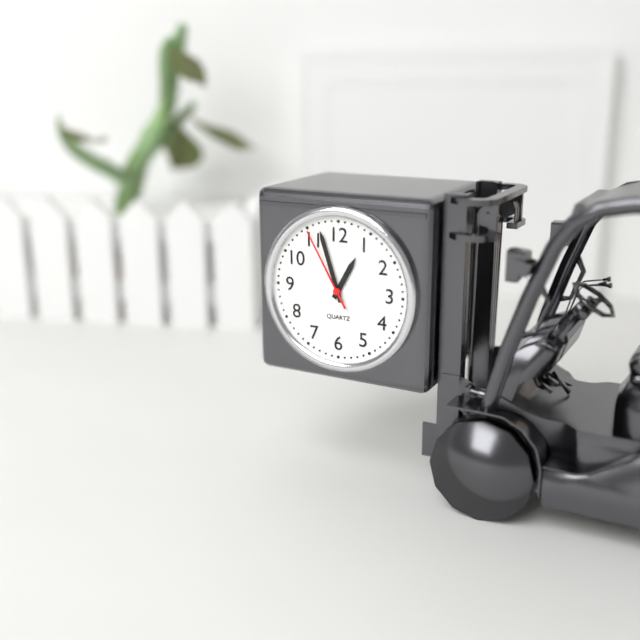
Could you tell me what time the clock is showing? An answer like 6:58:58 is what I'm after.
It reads 12:57:55
